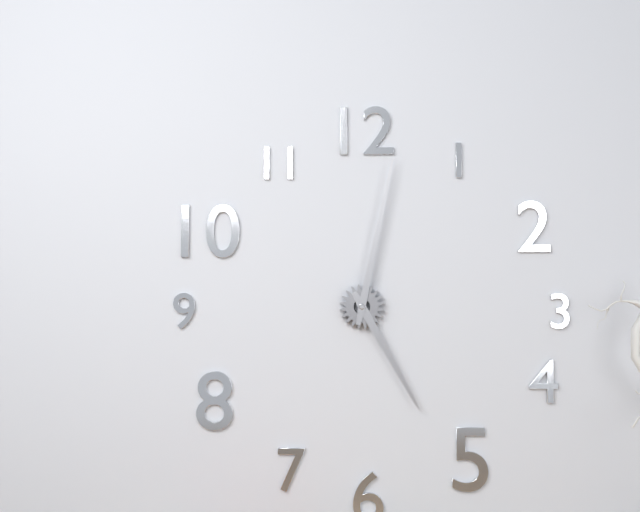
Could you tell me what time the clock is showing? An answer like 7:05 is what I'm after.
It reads 5:02
